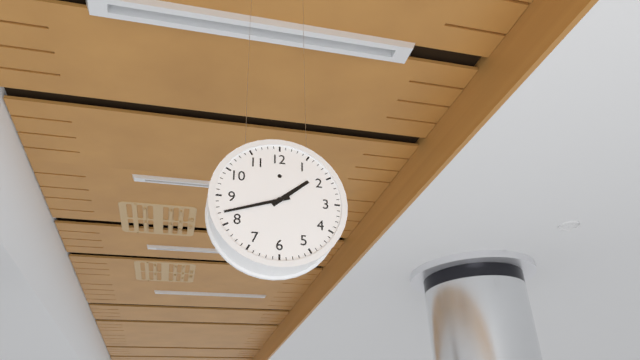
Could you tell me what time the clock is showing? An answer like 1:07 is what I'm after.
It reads 1:42
